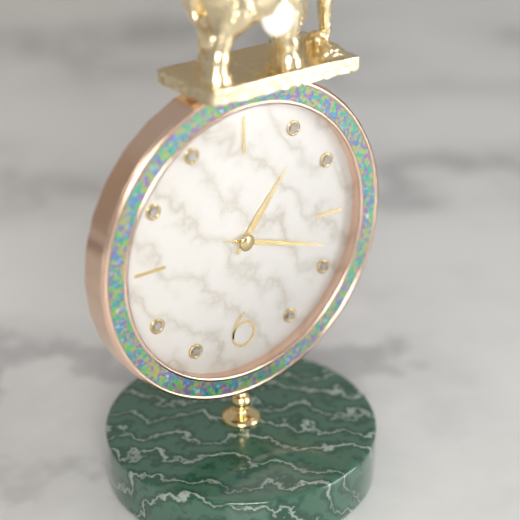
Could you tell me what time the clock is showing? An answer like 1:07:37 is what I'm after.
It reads 1:18:18
